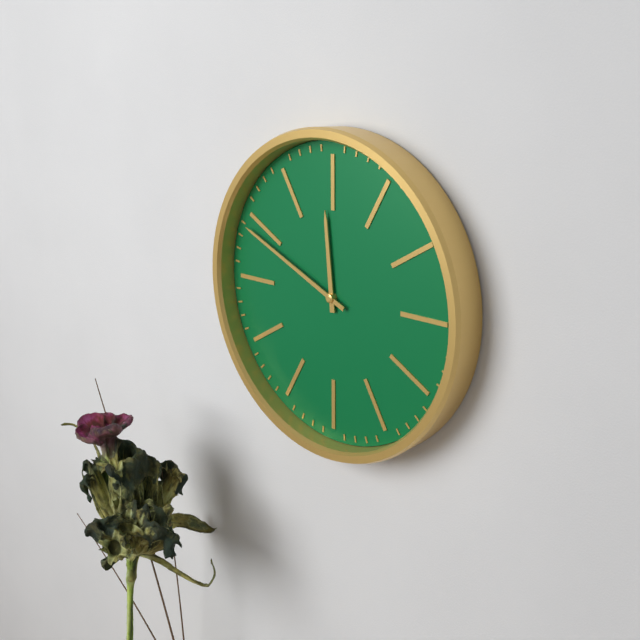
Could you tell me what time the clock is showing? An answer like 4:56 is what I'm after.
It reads 11:49
